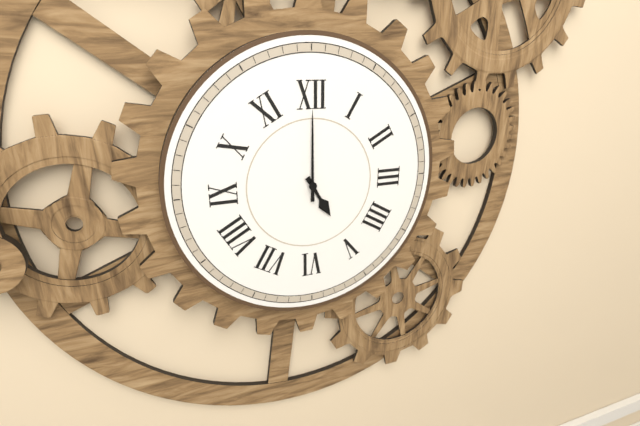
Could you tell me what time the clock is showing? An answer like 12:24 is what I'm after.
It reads 5:00
